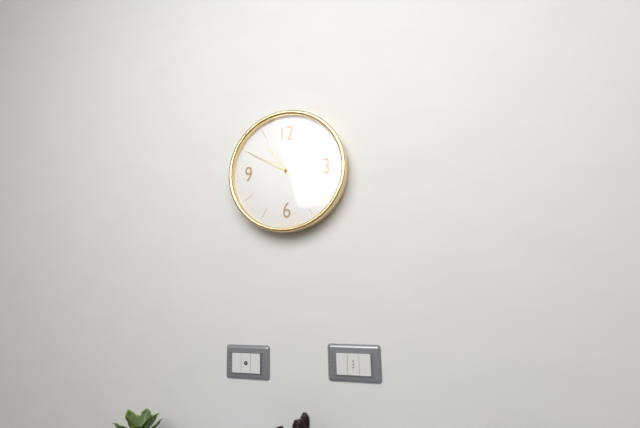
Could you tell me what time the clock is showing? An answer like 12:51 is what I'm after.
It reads 10:50
